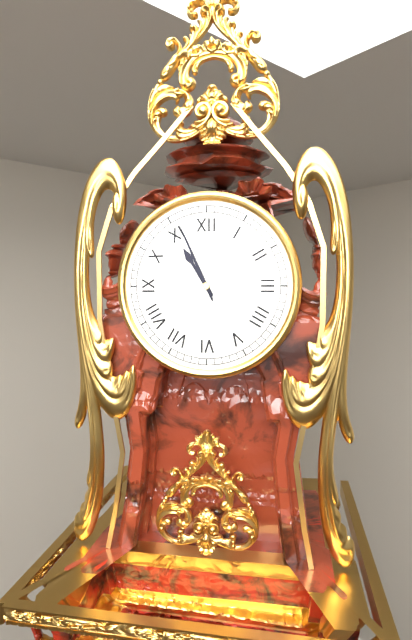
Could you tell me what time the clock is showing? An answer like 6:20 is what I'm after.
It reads 10:56
